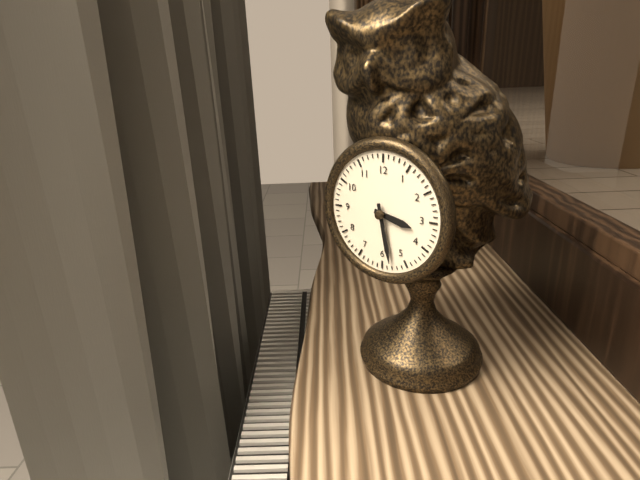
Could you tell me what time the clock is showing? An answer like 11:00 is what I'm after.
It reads 3:28
